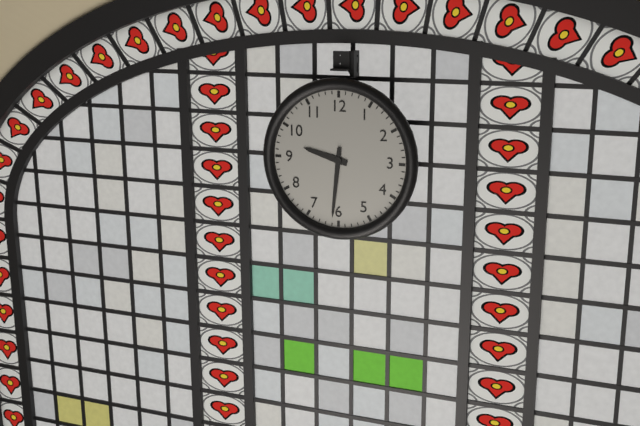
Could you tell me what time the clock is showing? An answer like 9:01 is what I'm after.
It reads 9:31
